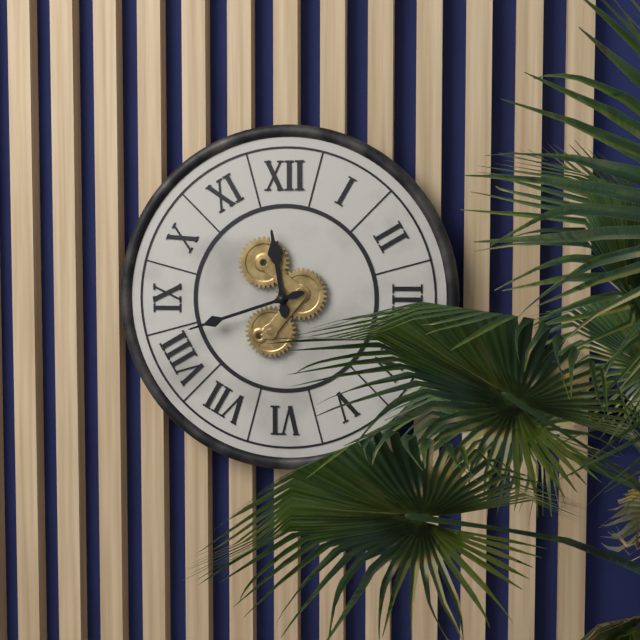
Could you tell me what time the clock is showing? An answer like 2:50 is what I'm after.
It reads 11:42
